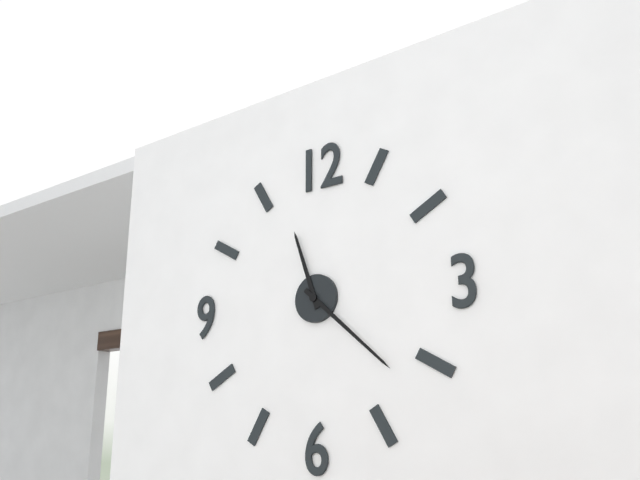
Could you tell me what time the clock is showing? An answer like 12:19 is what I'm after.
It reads 11:22
